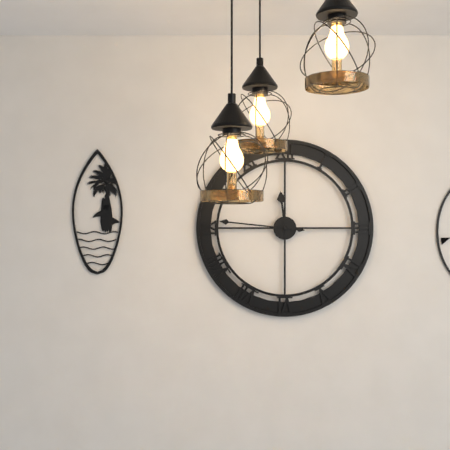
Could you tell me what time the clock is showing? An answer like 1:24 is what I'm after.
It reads 11:46
